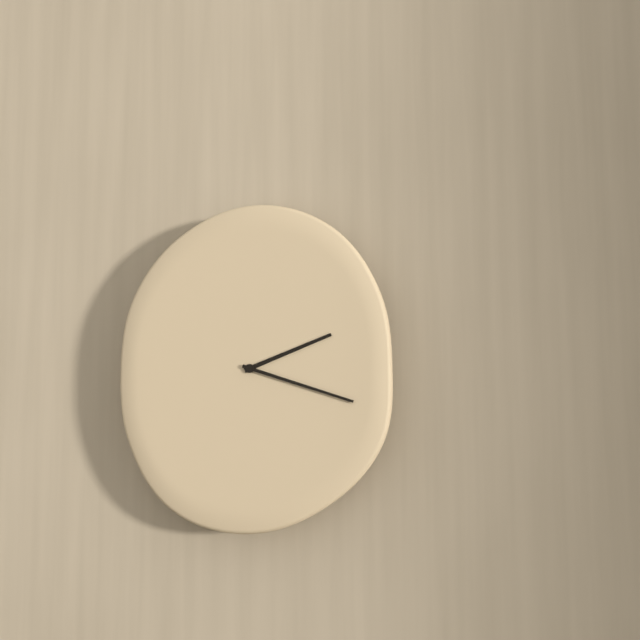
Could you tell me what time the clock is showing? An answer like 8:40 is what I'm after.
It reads 2:18
